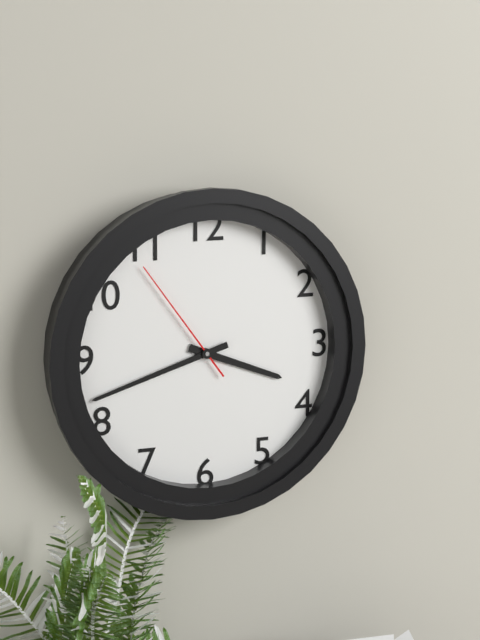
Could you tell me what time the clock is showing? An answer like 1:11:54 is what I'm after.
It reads 3:42:54
